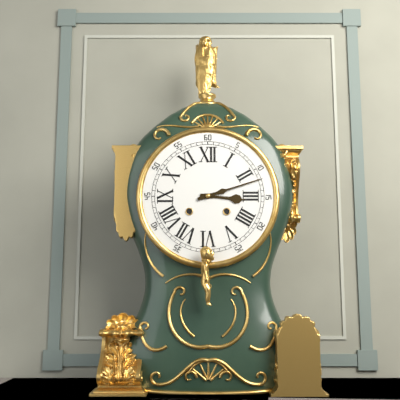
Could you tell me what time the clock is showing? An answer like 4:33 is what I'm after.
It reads 3:12
